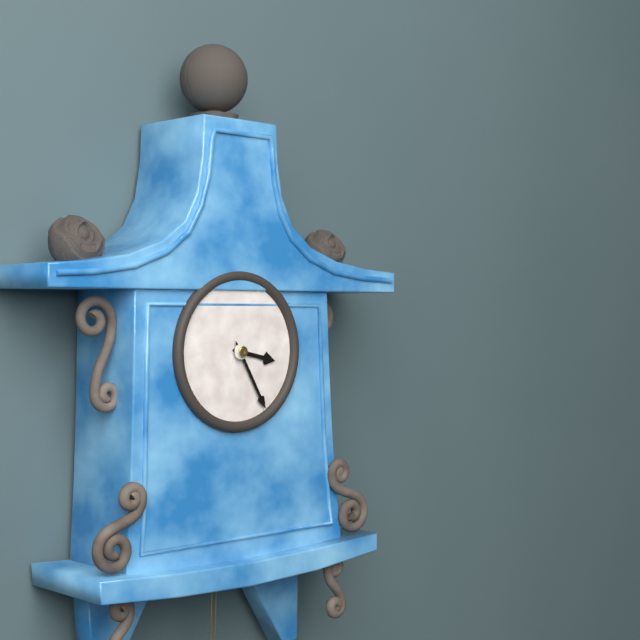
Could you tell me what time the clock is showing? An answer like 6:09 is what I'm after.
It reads 3:25
